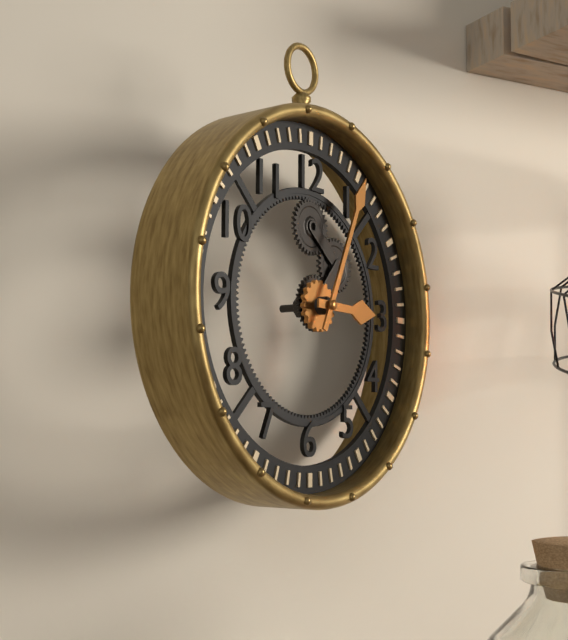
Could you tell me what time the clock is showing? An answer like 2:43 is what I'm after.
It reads 3:04
